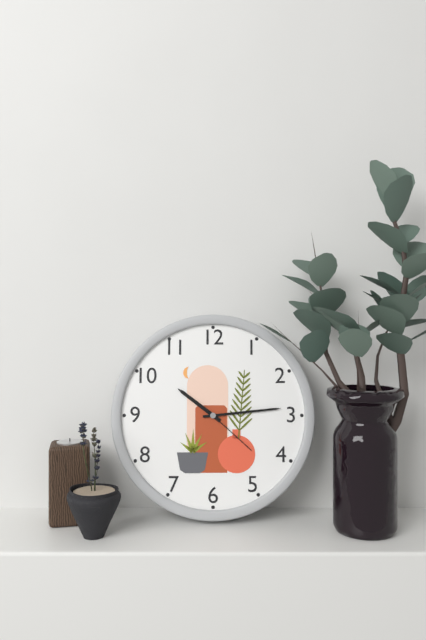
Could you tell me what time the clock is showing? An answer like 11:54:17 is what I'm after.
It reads 10:14:22
